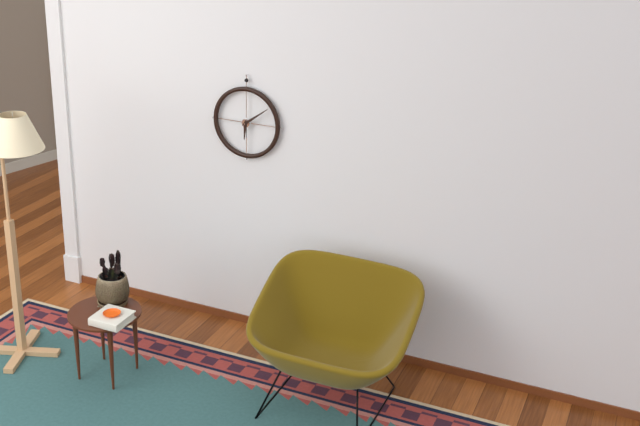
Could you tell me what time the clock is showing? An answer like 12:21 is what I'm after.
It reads 6:09
